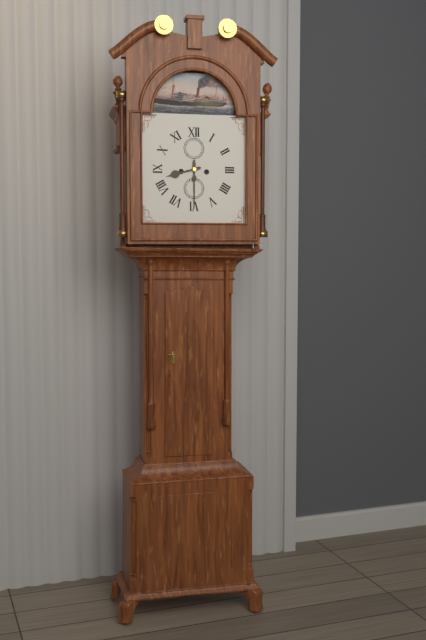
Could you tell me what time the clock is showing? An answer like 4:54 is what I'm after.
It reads 8:30
